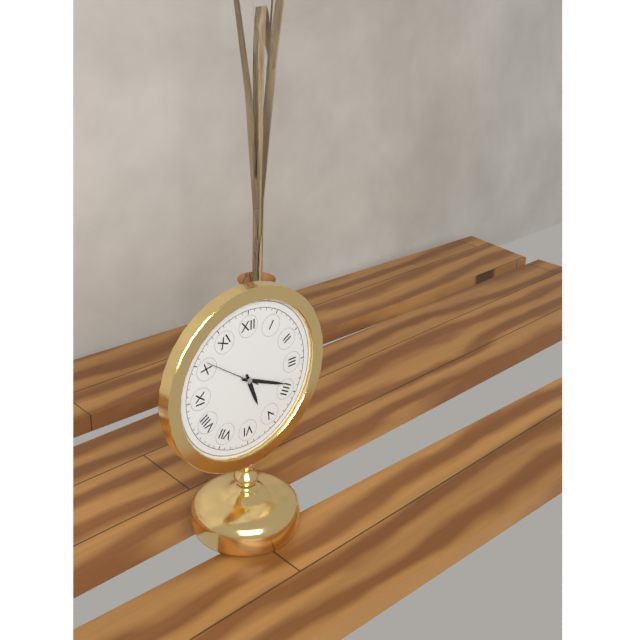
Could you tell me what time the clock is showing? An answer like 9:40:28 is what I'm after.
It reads 5:19:51
